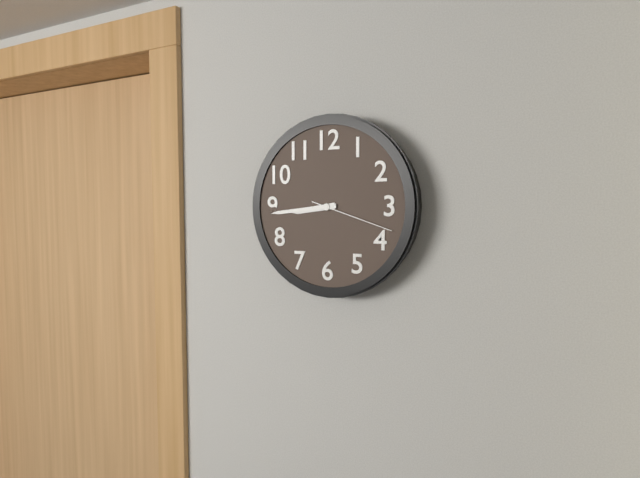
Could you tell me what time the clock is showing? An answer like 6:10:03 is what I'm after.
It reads 8:44:18
